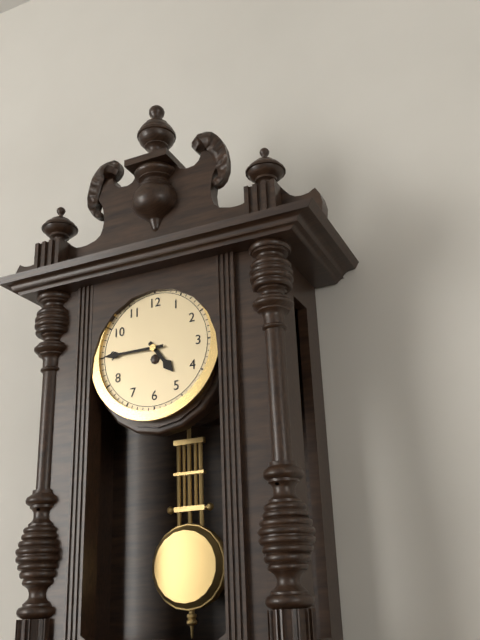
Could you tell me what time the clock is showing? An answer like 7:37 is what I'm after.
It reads 4:45
